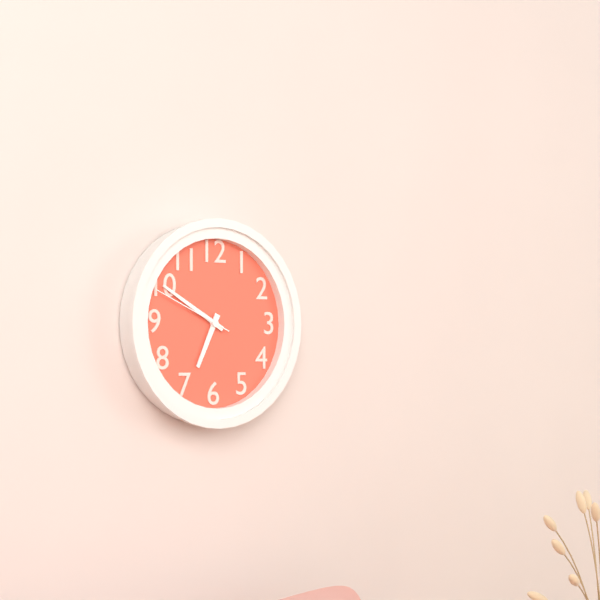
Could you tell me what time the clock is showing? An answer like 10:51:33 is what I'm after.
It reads 6:50:49
